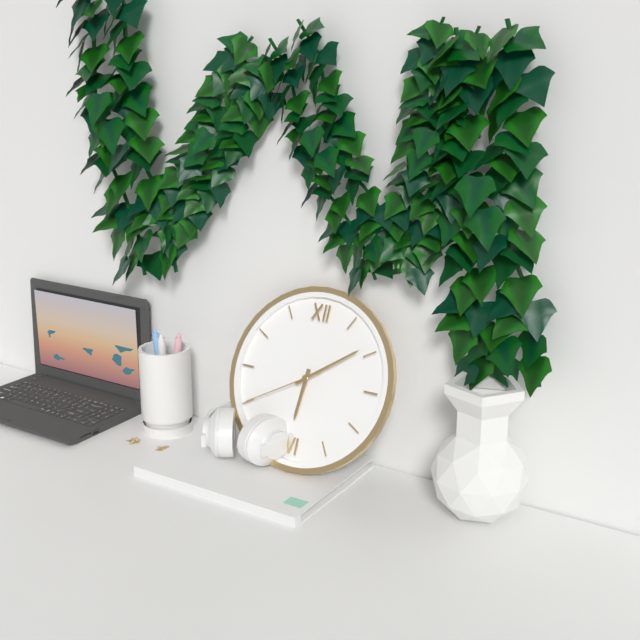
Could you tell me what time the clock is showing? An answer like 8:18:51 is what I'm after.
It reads 6:09:40
